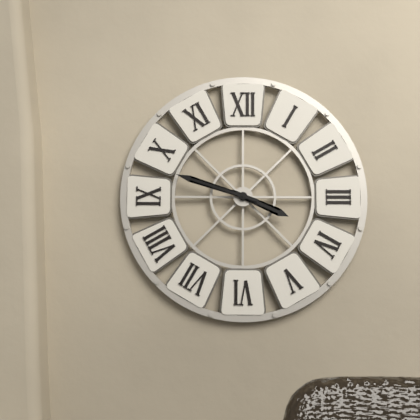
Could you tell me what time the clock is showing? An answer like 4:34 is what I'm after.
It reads 3:48
